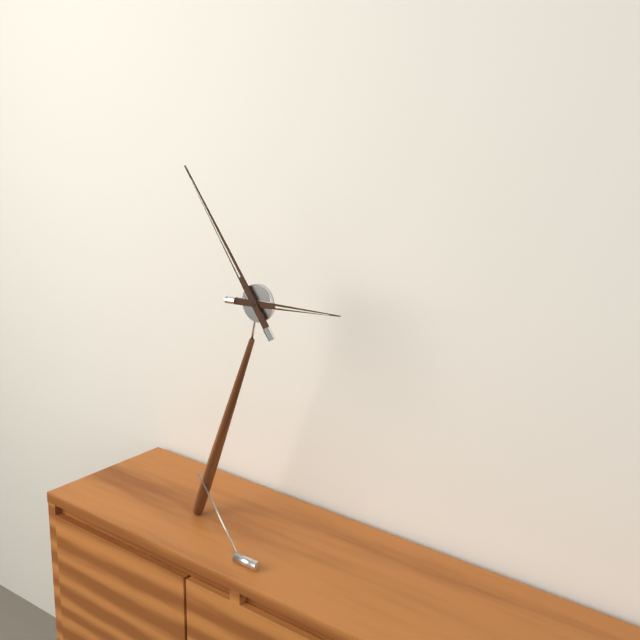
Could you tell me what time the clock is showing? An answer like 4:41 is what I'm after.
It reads 2:54
